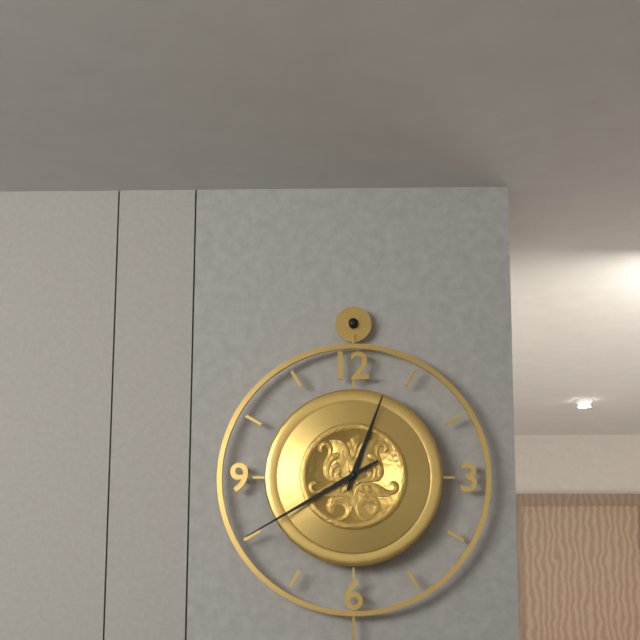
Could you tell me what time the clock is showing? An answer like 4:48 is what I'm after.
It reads 12:40
